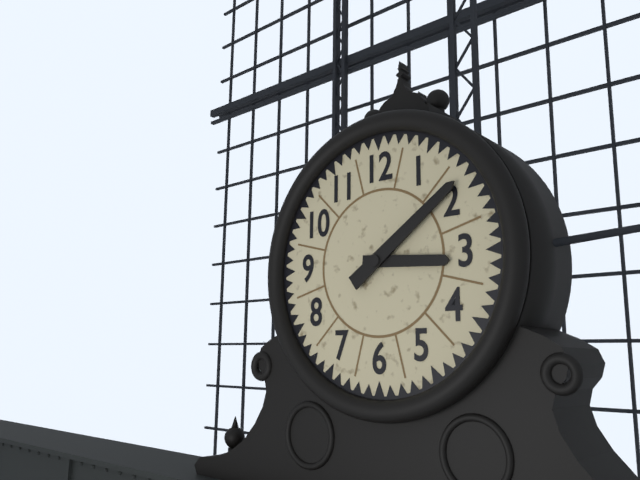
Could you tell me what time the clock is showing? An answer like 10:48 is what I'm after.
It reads 3:09
